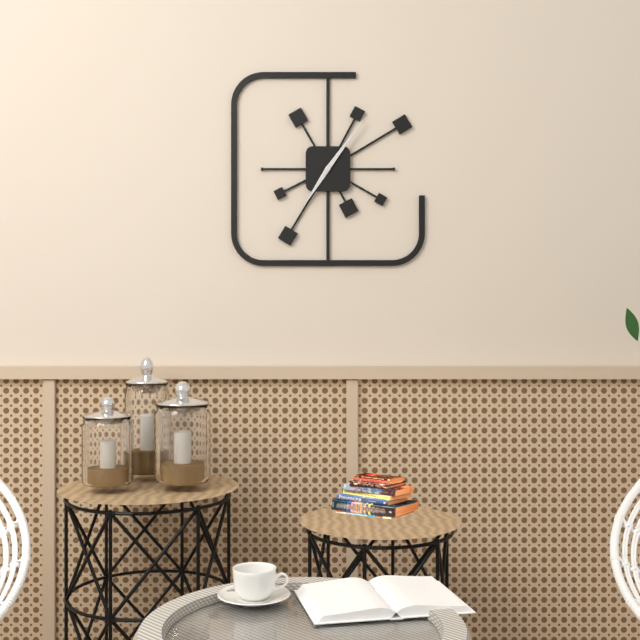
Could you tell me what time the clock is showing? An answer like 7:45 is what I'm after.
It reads 7:06
